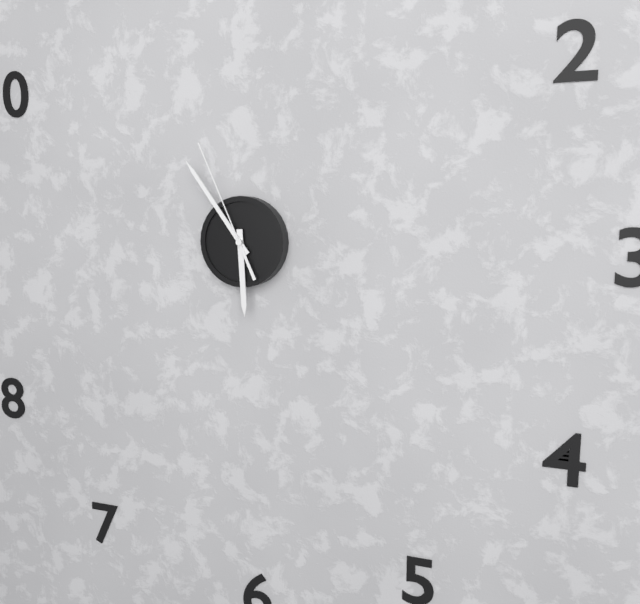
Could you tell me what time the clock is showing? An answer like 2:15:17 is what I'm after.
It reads 5:54:56
